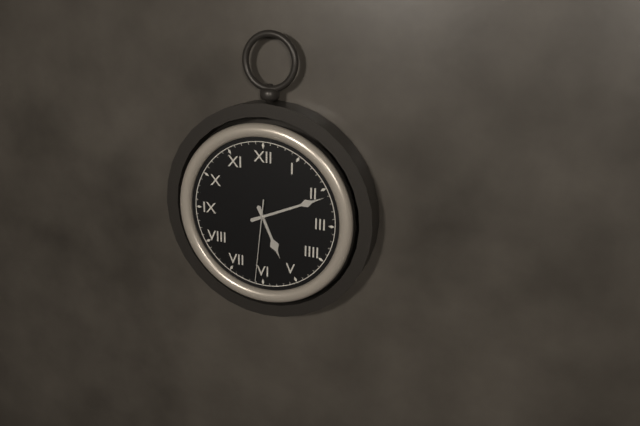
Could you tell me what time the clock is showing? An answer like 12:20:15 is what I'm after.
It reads 5:11:31
